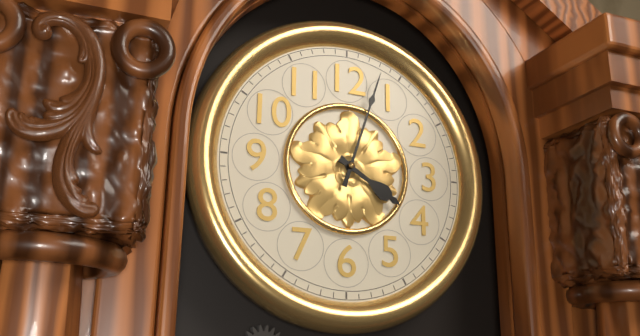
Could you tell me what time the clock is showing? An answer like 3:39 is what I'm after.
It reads 4:03
